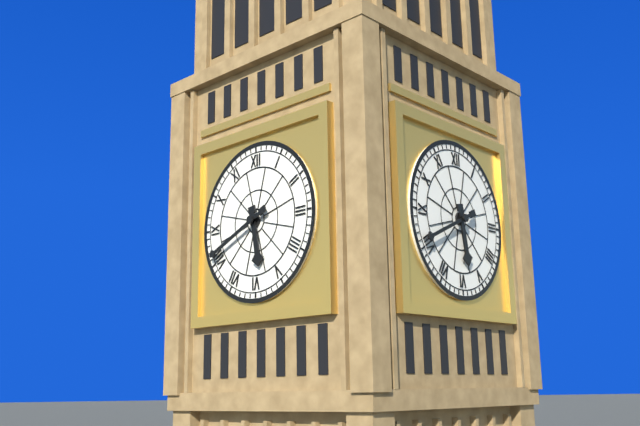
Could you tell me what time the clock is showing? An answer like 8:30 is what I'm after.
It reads 5:41
